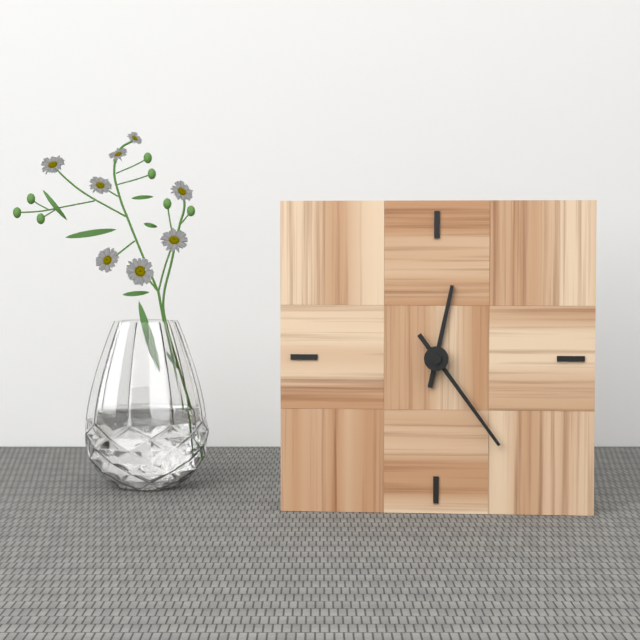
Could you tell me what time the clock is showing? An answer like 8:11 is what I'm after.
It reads 12:24
